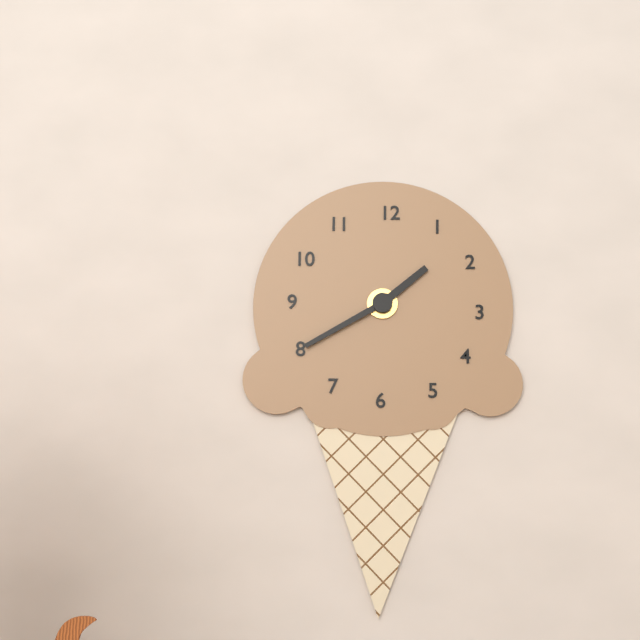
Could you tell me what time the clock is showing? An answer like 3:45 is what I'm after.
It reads 1:40
